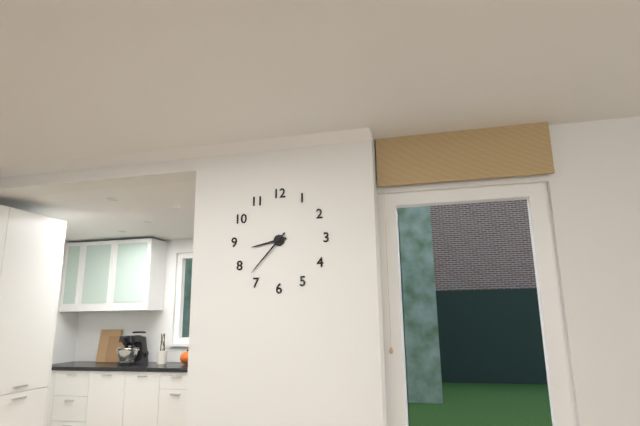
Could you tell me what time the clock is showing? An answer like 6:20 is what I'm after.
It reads 8:37
